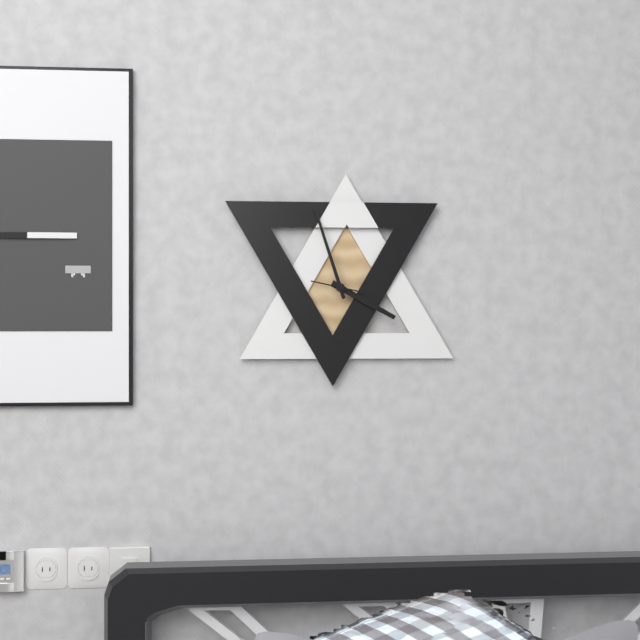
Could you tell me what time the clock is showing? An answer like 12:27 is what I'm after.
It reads 3:57
